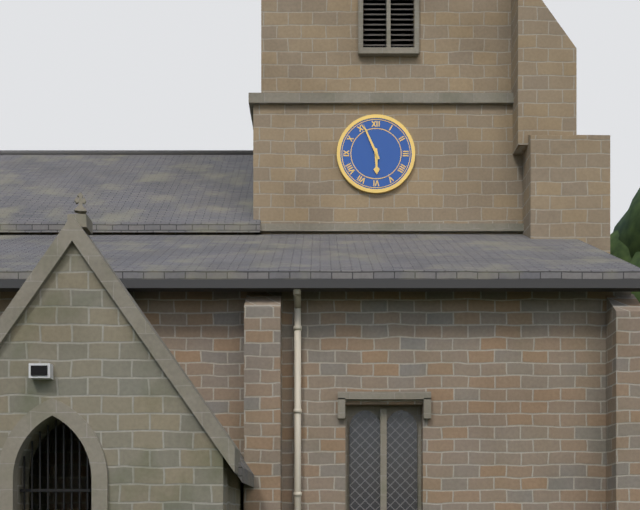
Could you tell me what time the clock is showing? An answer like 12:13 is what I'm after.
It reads 5:56
